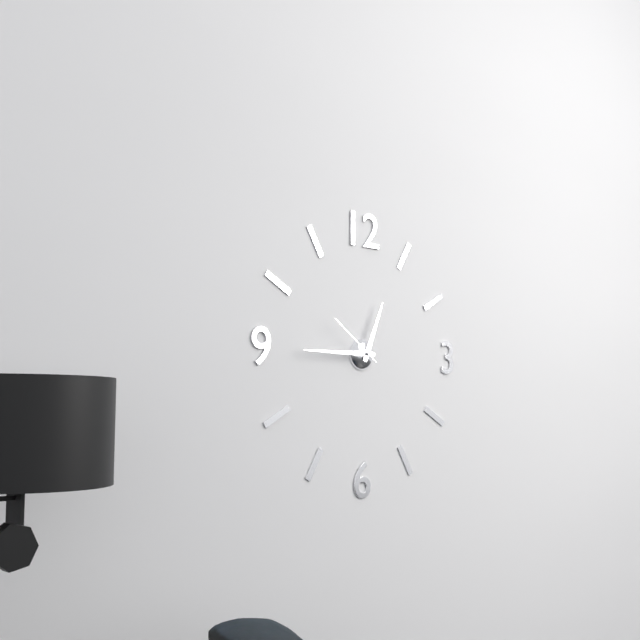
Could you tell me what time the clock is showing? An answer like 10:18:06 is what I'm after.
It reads 12:45:51
